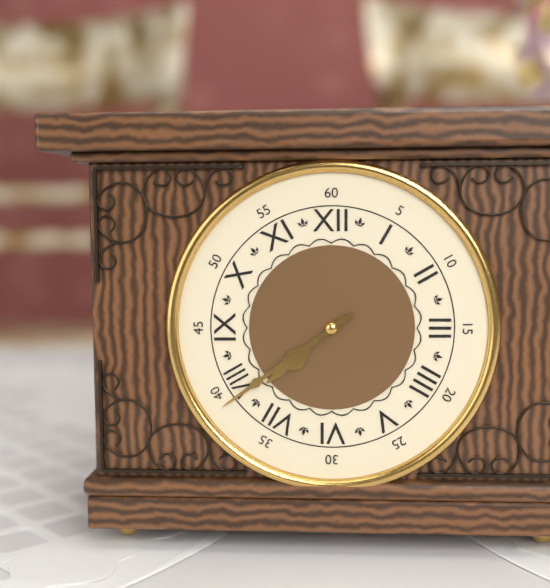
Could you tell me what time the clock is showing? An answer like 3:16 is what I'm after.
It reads 7:39
